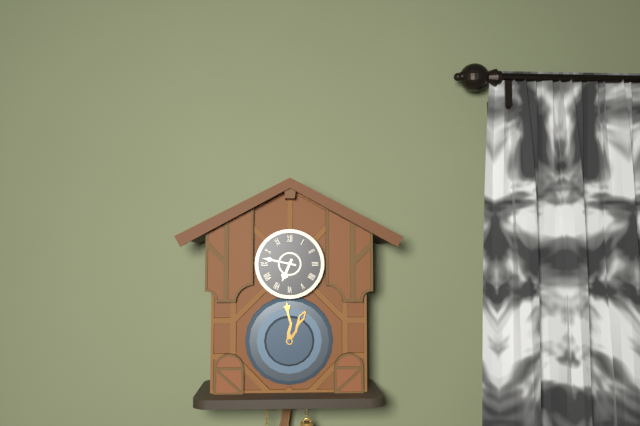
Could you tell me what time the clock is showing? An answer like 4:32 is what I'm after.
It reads 6:47
